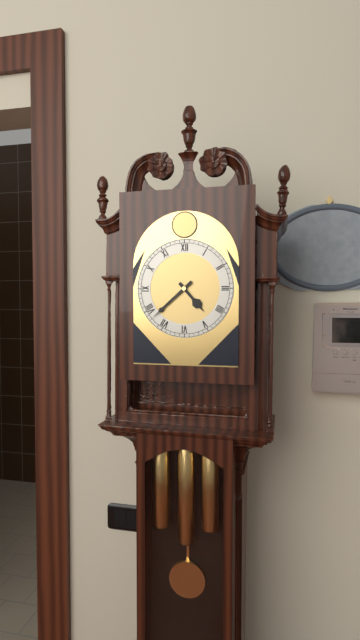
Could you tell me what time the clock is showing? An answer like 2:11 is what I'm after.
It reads 4:38
